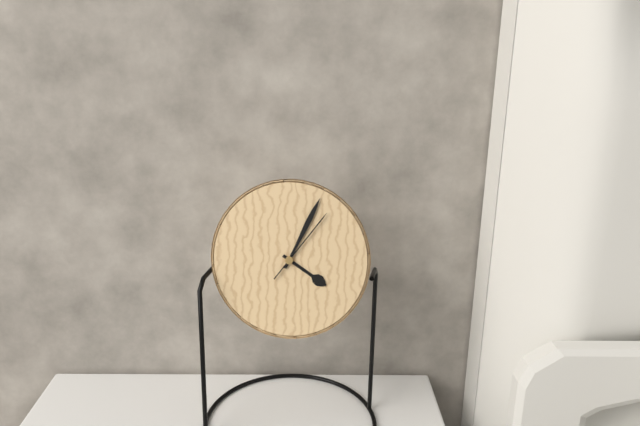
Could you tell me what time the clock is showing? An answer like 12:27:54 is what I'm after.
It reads 4:04:06
